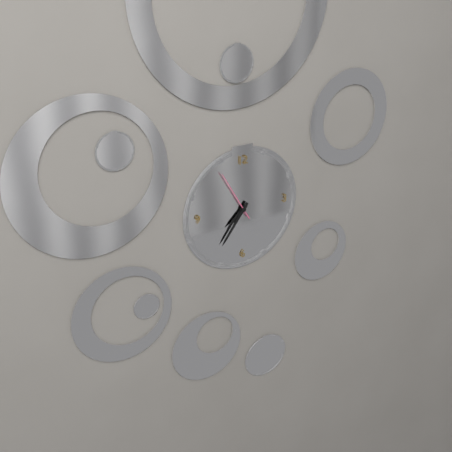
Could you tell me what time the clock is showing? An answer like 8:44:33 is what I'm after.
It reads 7:36:55
